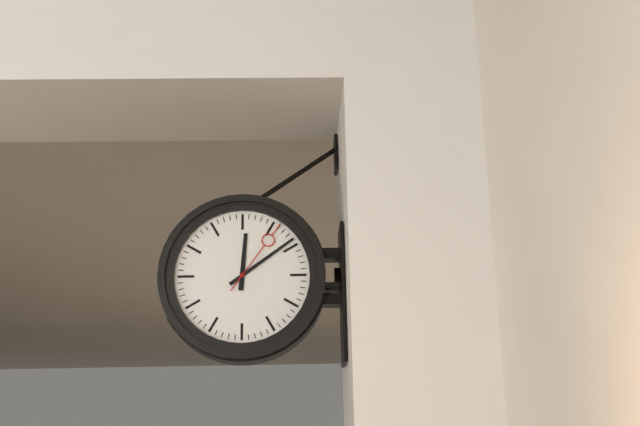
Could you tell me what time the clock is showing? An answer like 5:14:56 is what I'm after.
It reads 12:09:06
